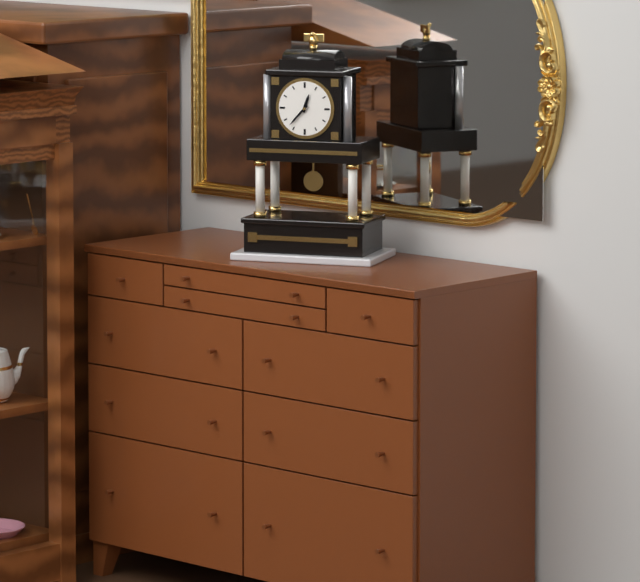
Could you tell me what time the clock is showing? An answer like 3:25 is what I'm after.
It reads 12:37
